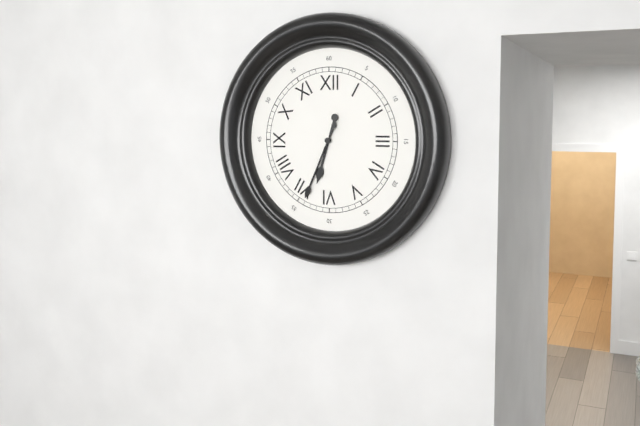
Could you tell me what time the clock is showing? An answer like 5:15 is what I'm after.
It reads 6:34
